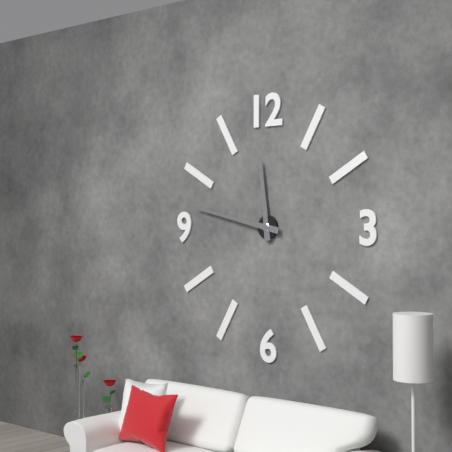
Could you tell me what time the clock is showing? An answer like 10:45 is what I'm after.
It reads 11:47
